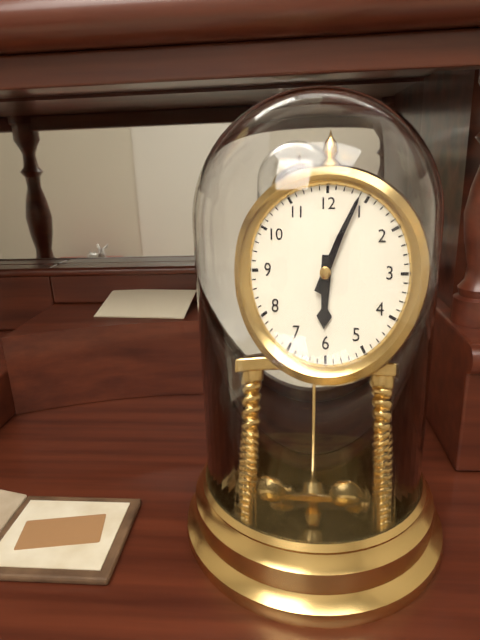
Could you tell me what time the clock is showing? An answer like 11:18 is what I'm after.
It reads 6:04
